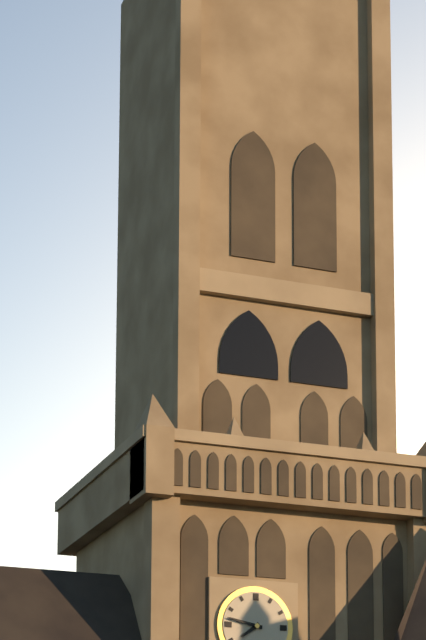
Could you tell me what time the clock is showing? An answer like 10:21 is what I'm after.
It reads 7:47
